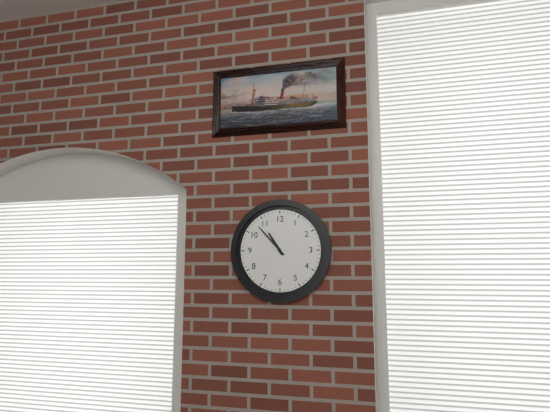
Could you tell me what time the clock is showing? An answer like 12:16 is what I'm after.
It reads 10:53
